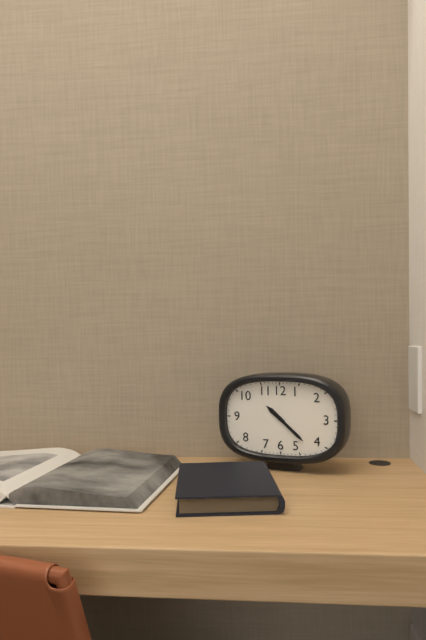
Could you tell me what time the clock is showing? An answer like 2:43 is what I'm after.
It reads 10:22
